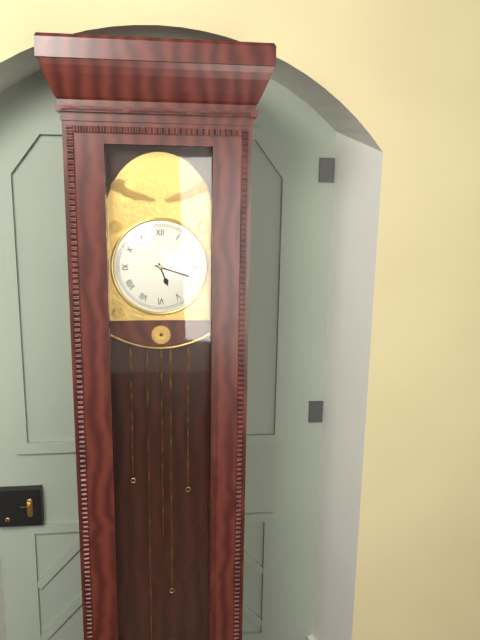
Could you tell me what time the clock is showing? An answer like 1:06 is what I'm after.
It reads 5:18
